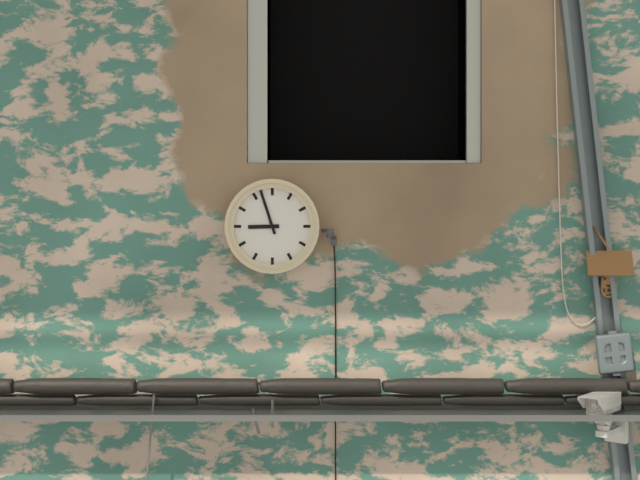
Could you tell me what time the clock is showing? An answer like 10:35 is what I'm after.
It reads 8:57
